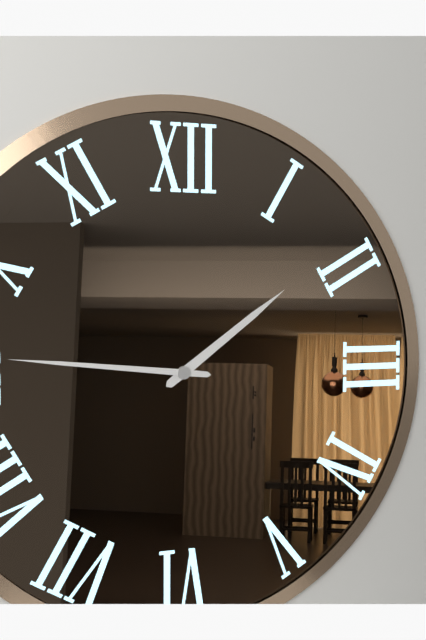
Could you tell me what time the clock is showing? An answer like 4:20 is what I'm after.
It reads 1:46
